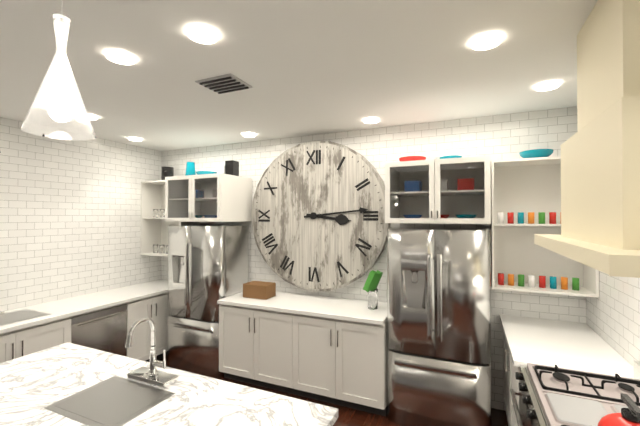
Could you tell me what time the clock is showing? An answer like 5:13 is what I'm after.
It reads 3:14
